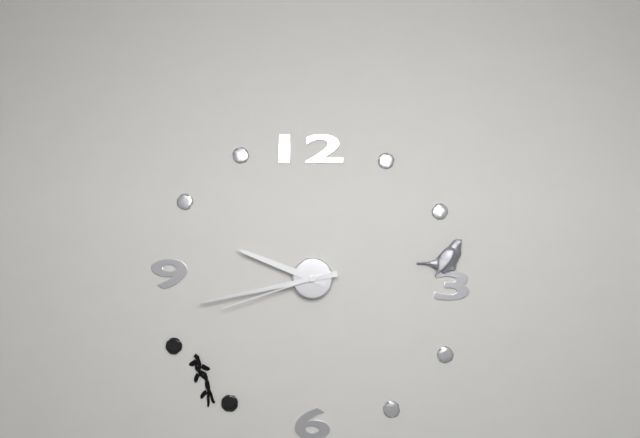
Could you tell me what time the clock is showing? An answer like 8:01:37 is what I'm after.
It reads 9:43:42
